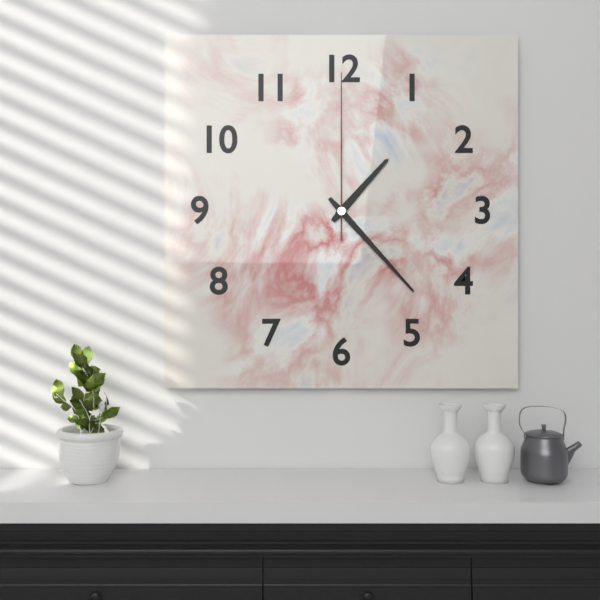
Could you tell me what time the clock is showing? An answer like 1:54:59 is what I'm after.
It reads 1:23:00
